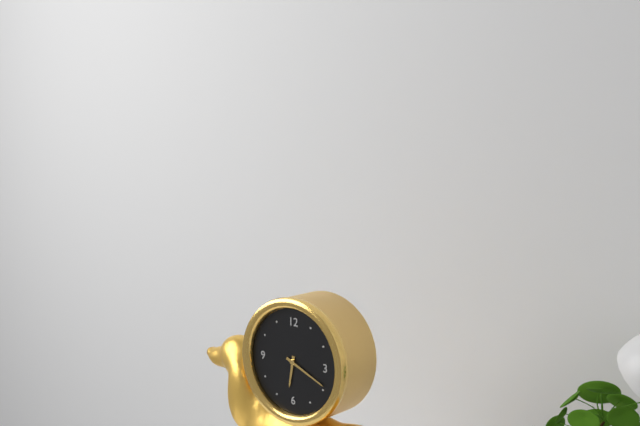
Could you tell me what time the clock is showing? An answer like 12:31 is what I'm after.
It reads 6:19
